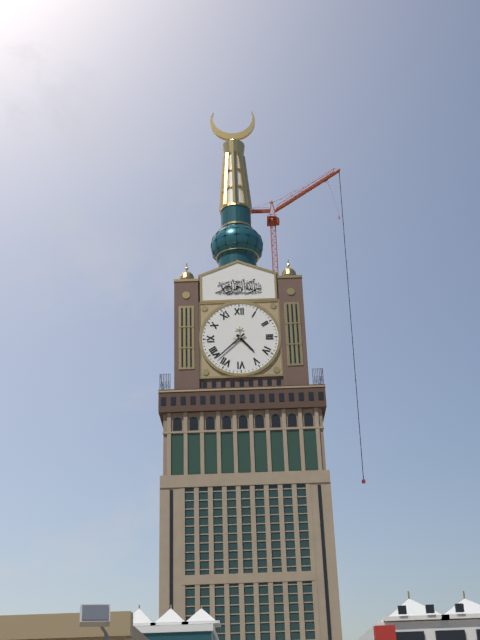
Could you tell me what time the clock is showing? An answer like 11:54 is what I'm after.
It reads 4:38
